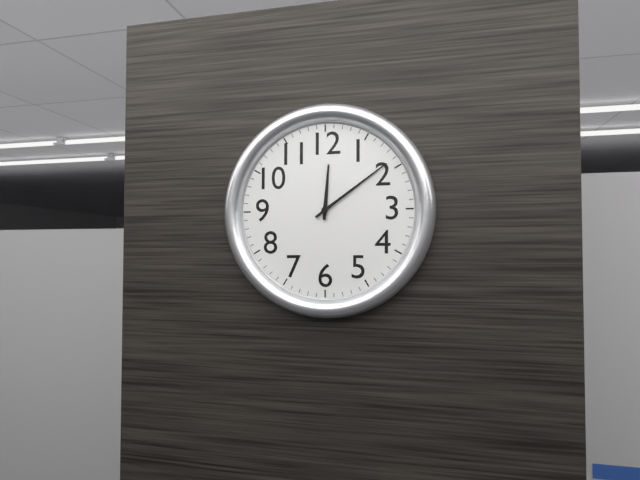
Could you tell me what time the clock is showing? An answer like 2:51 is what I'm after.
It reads 12:09
